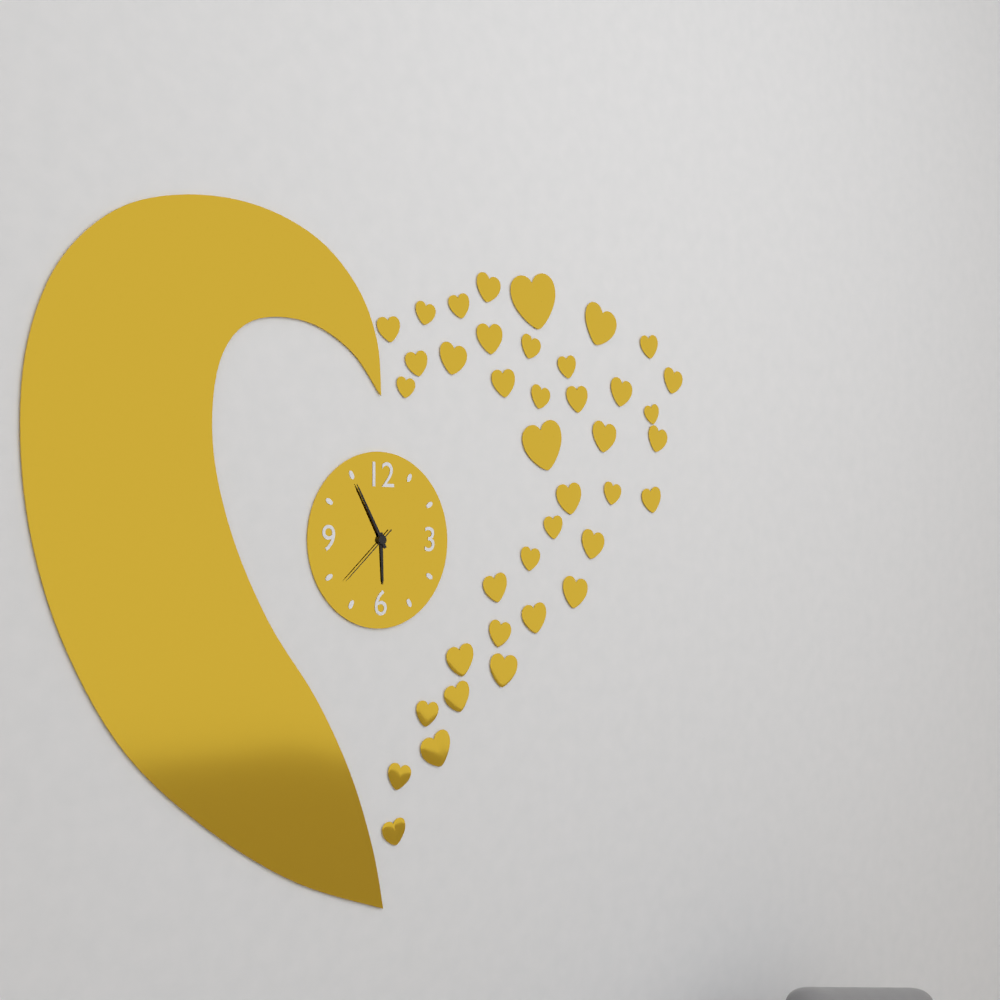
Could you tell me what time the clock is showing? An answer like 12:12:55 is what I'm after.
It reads 5:55:38
